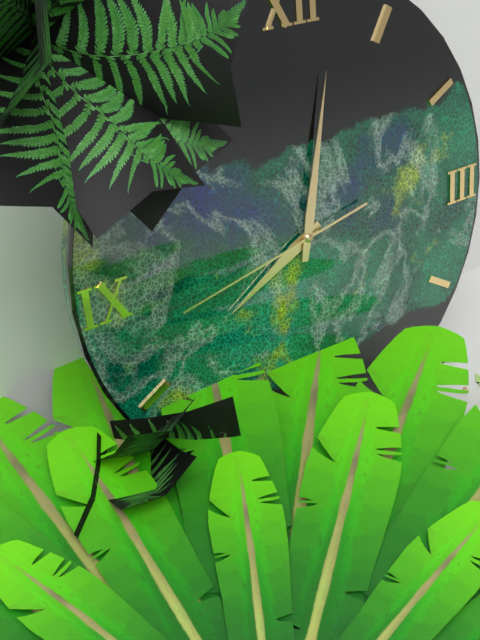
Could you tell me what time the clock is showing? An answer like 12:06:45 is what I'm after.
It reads 8:02:43
